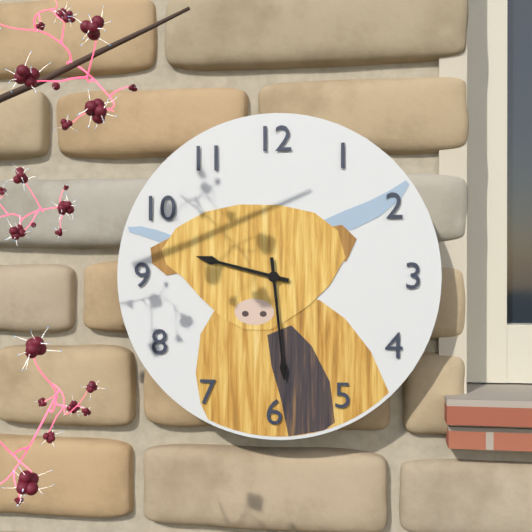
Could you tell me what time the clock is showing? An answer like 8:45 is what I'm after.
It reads 9:29
